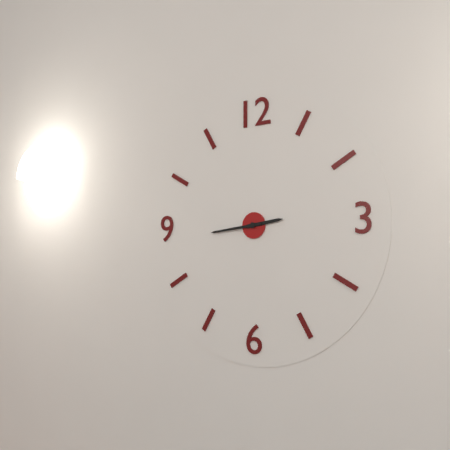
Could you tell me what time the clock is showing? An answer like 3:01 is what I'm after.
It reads 2:44
